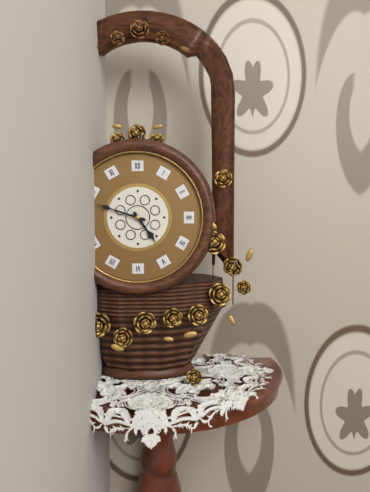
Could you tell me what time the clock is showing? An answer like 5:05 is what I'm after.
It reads 4:48
